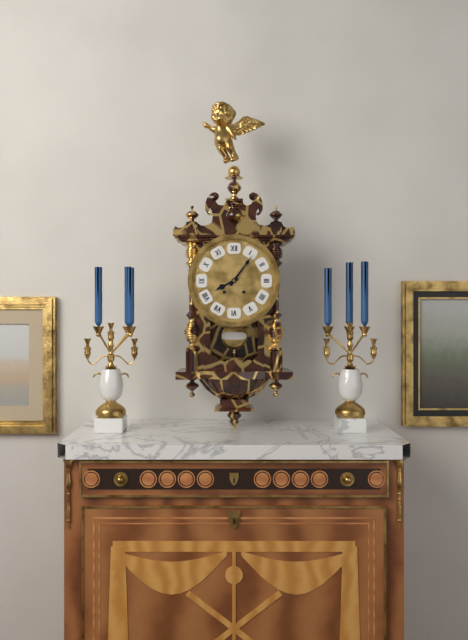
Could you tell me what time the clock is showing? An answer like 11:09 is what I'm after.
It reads 8:06
